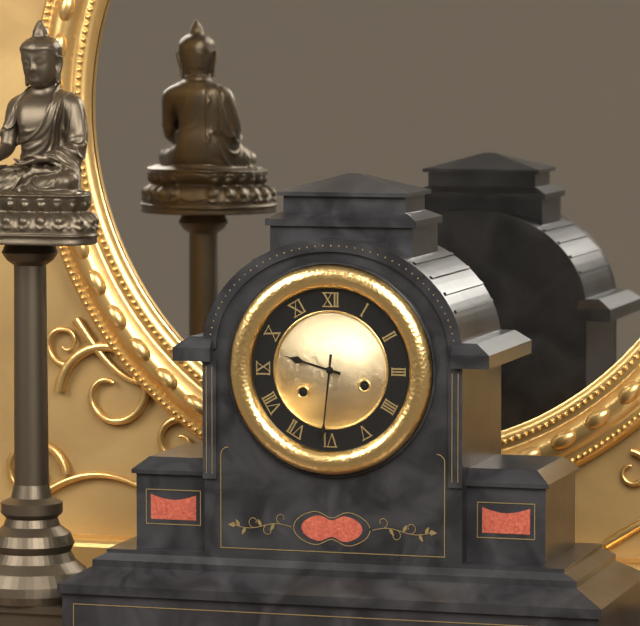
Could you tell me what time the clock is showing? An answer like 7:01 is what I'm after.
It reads 9:31
